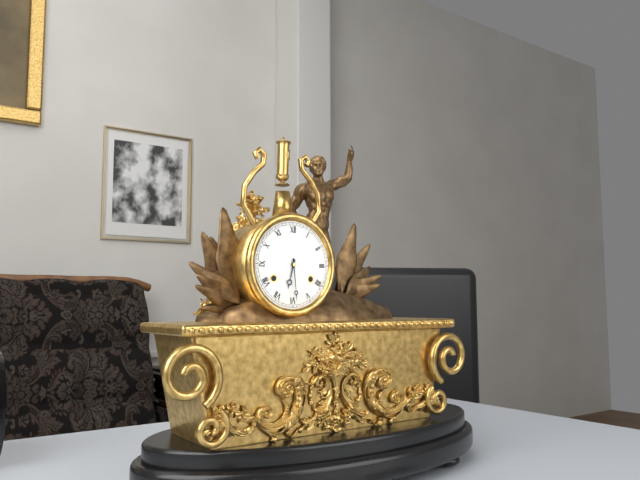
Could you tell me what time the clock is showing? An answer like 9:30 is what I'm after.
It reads 6:29
